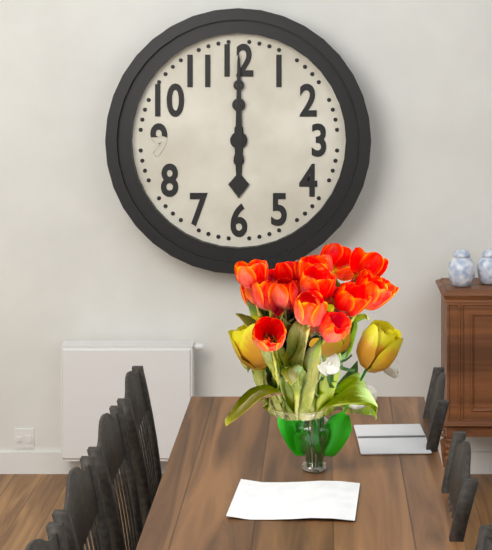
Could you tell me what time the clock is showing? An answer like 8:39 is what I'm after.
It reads 6:00
